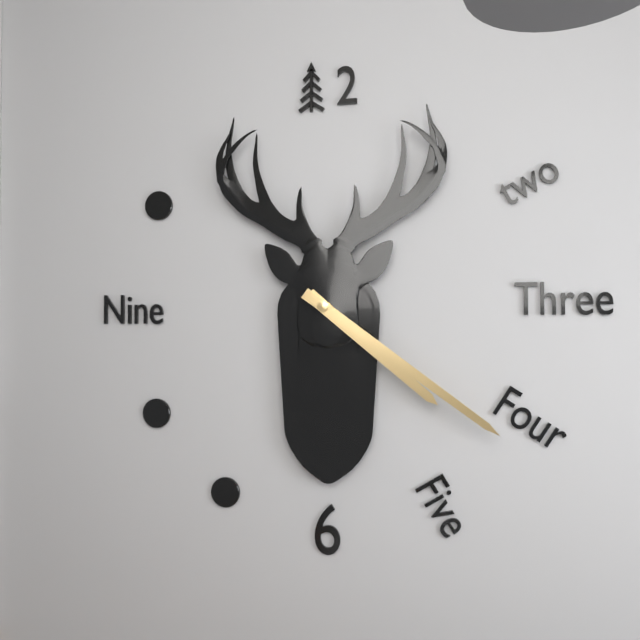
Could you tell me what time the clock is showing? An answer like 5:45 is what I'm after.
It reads 4:21
